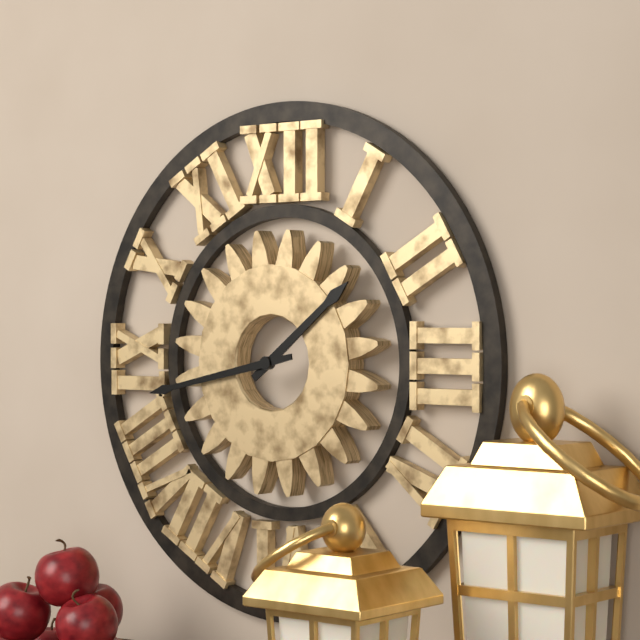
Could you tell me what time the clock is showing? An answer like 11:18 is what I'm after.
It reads 1:43
